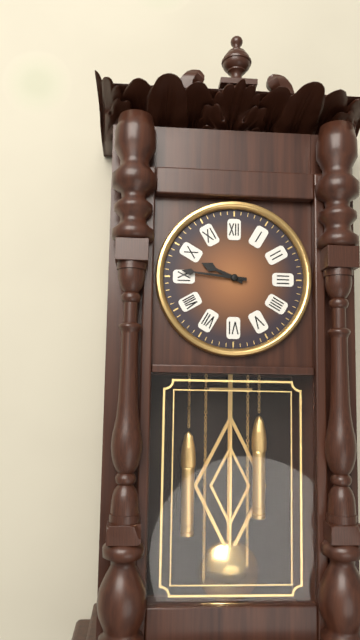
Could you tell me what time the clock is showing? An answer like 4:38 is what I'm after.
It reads 9:46
